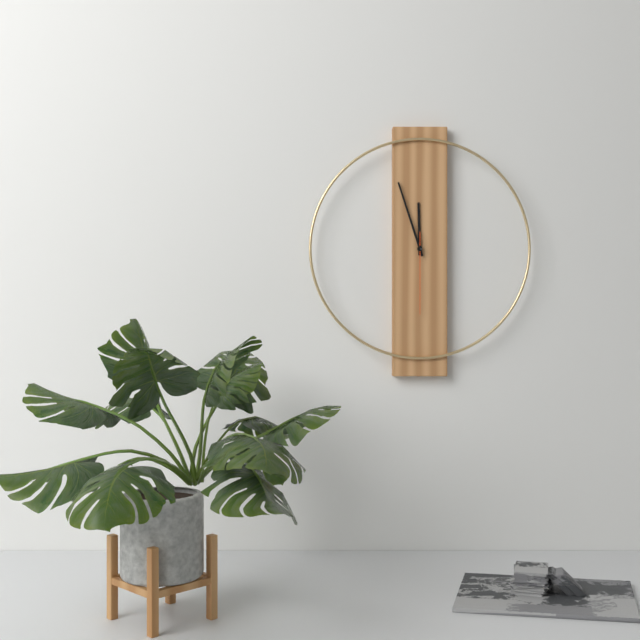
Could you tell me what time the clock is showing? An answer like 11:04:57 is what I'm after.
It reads 11:57:30
